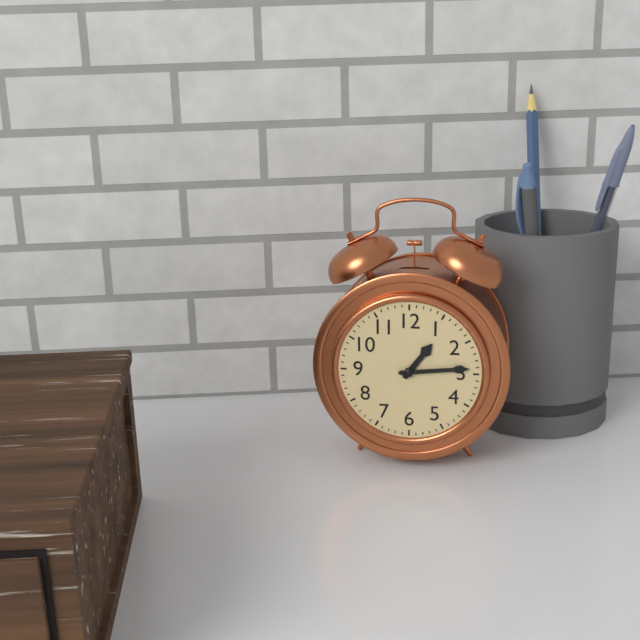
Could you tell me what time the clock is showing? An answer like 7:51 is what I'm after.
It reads 1:14
